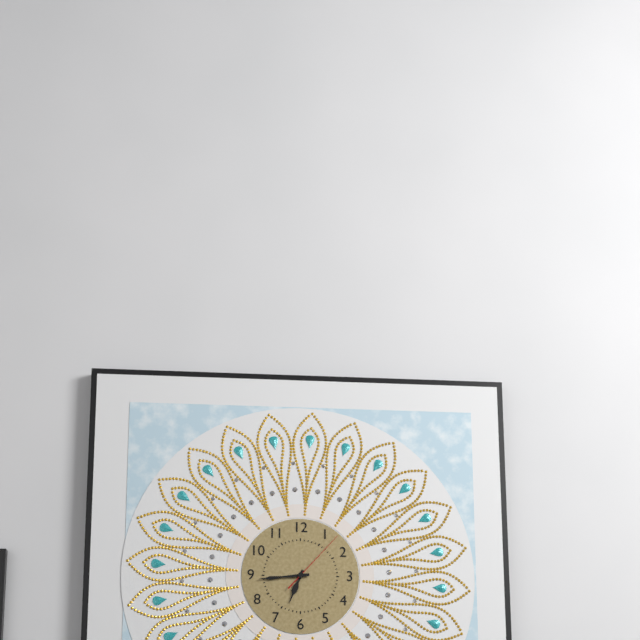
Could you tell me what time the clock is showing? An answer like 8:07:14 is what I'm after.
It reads 6:44:07
